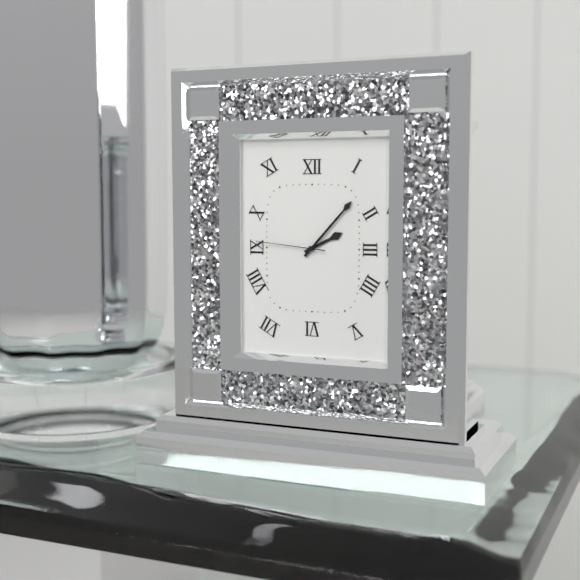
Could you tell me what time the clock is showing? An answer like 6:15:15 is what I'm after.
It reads 2:07:46
